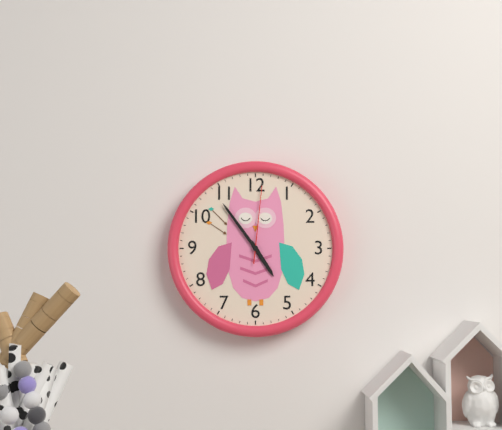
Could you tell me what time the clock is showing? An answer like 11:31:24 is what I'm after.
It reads 4:54:01
